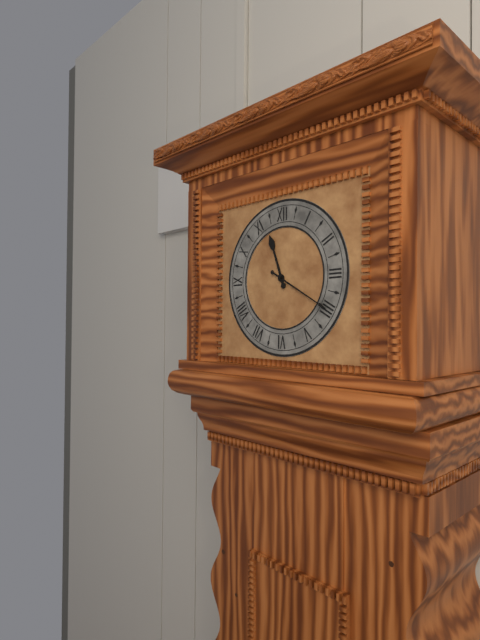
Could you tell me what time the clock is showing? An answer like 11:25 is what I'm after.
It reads 11:20
